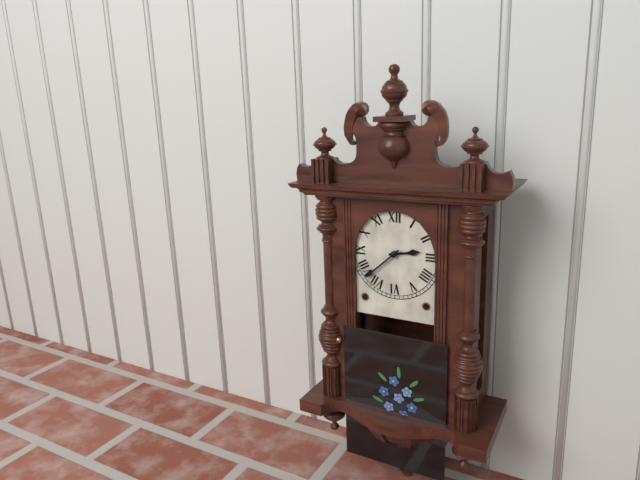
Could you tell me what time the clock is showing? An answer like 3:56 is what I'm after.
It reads 2:38
